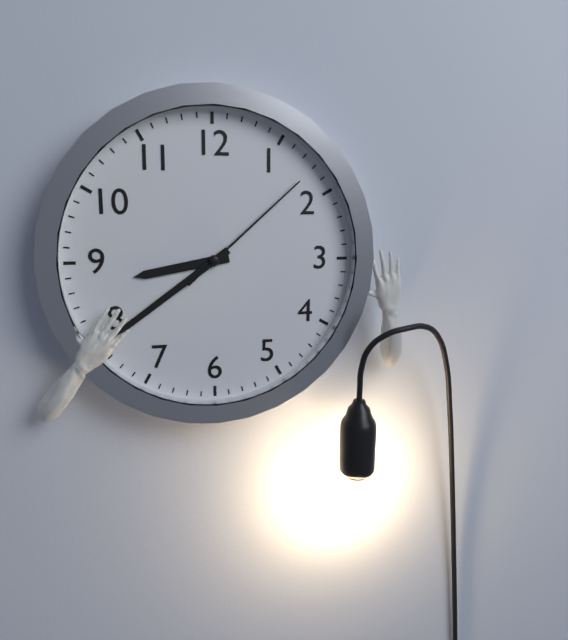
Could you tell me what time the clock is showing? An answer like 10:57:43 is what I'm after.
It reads 8:39:08
